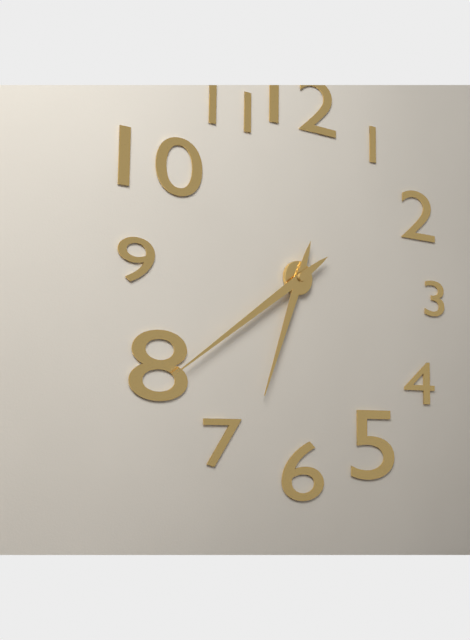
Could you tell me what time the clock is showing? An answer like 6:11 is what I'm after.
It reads 6:39
